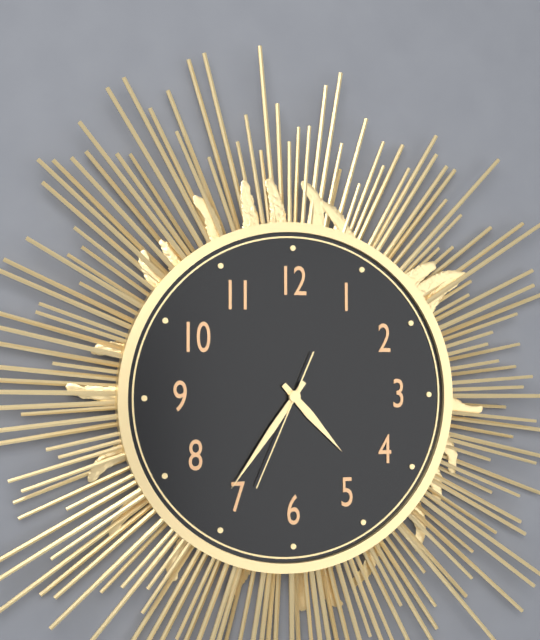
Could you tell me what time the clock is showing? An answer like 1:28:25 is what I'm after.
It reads 4:36:34
